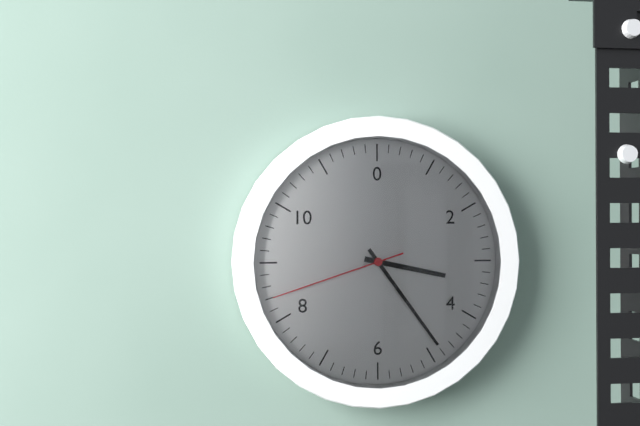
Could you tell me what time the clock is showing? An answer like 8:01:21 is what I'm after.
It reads 3:24:42
